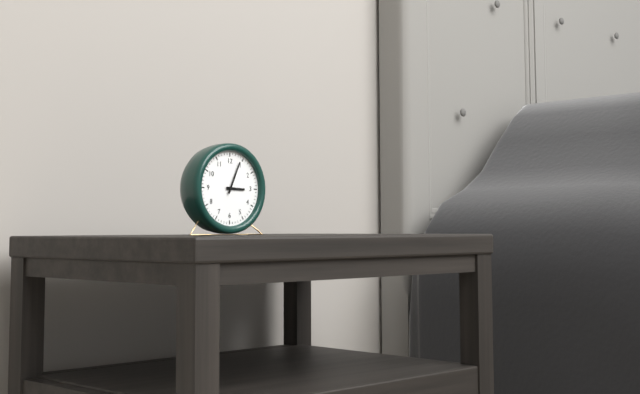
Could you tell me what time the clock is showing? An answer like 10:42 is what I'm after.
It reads 3:04
